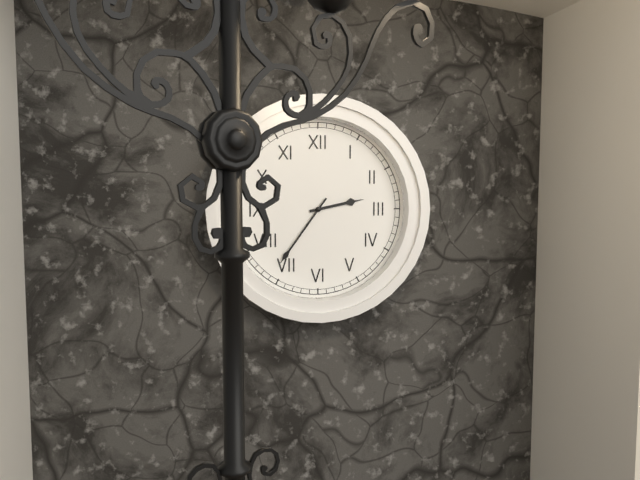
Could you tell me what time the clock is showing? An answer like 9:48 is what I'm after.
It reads 2:36
